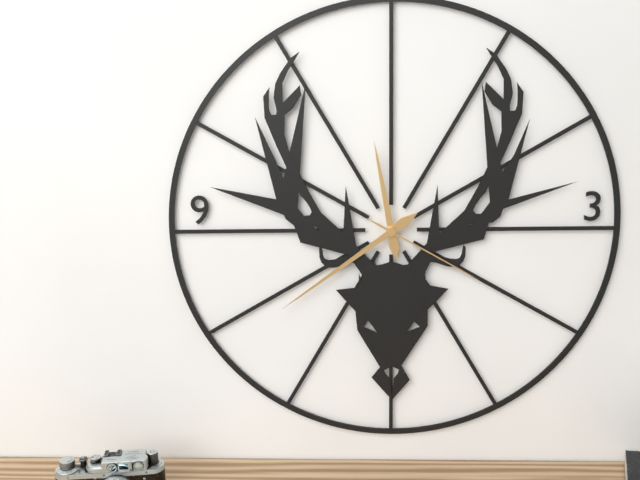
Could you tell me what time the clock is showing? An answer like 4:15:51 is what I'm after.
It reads 11:39:20
